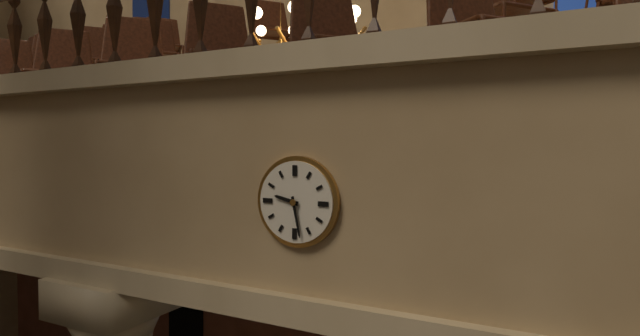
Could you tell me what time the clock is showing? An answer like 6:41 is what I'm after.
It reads 9:28
